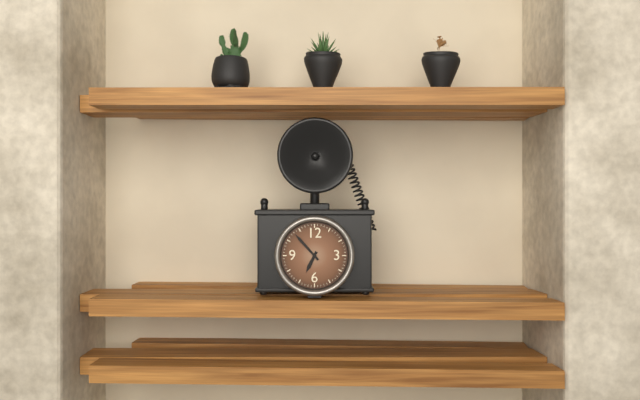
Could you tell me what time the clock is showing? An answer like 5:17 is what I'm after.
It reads 6:53
